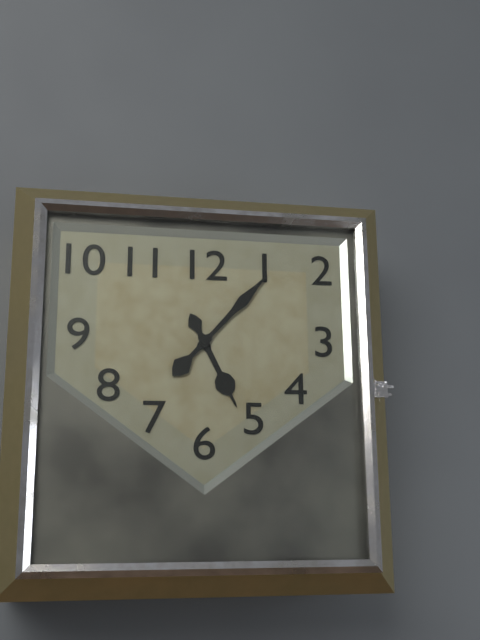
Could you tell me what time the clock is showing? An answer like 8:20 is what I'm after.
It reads 5:07
